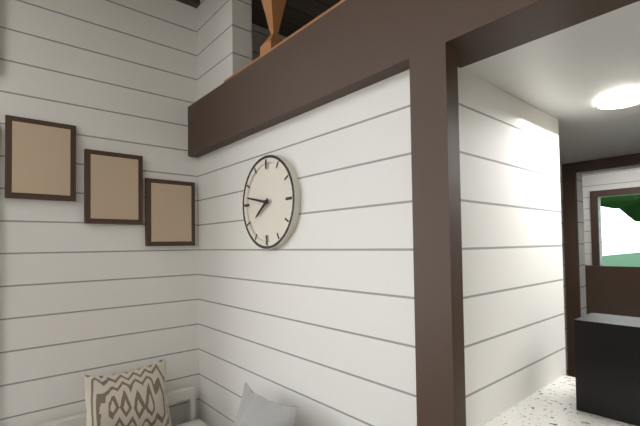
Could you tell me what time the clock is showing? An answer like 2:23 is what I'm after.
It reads 7:47
